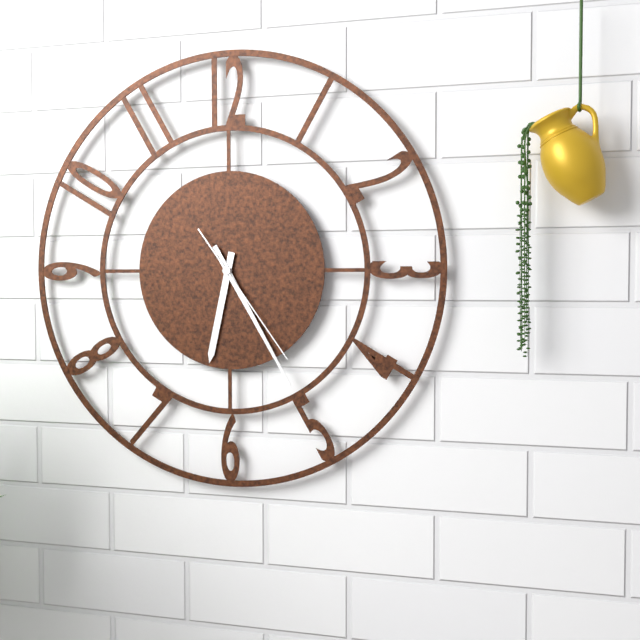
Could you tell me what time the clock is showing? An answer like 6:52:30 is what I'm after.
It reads 6:25:24
